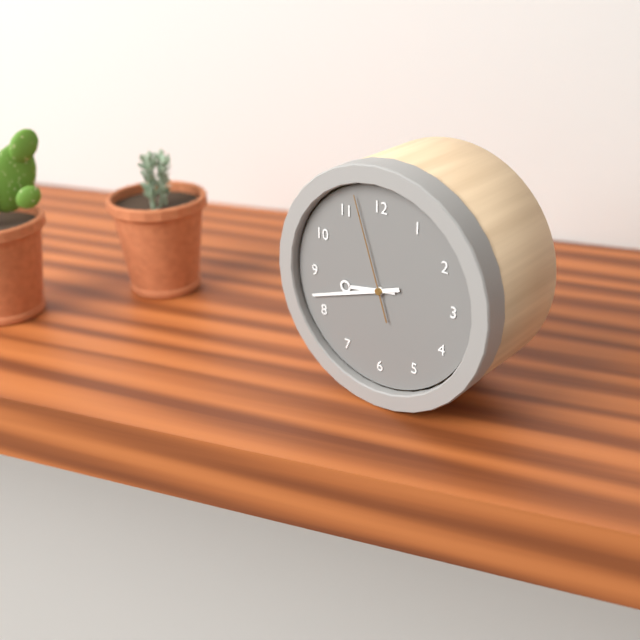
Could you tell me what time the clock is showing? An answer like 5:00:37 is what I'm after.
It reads 8:42:57
